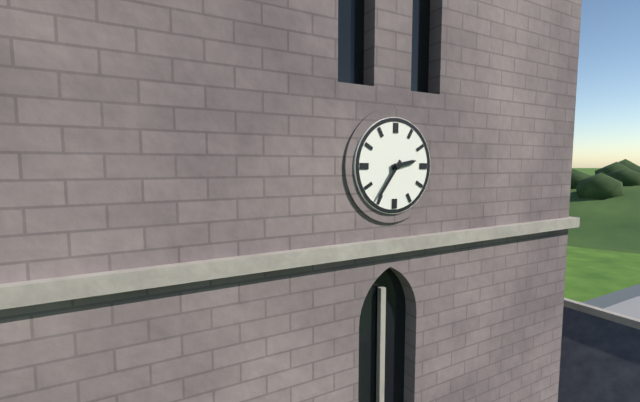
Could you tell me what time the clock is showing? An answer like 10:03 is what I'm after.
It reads 2:36
